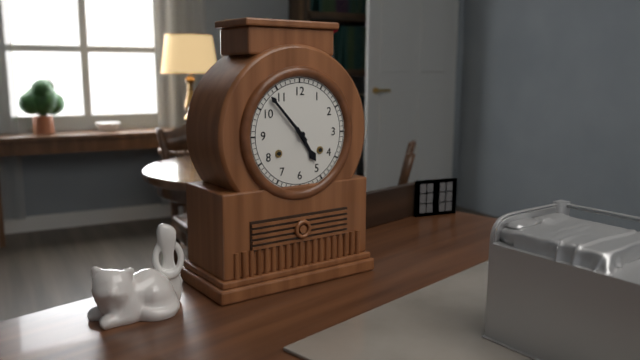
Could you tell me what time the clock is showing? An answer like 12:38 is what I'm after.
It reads 4:53
